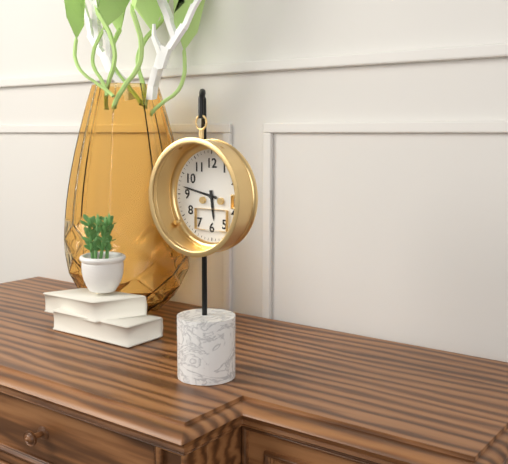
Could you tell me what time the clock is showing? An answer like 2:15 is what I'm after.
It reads 5:47
